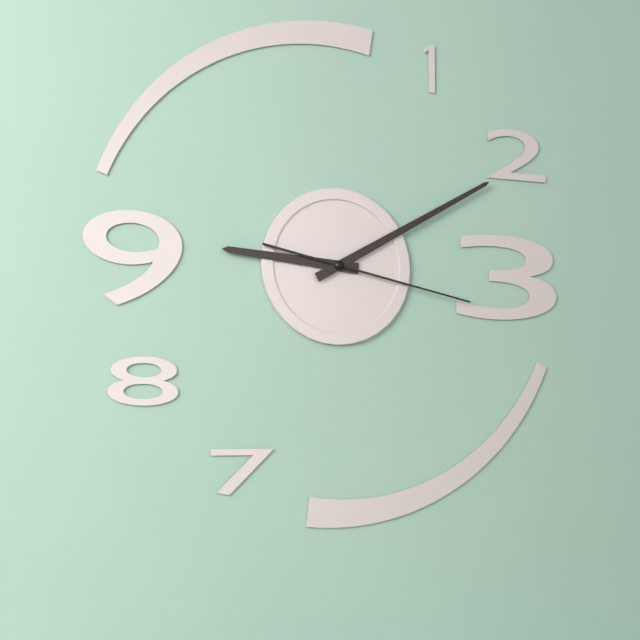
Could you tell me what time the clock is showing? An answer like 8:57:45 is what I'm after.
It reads 9:10:17
